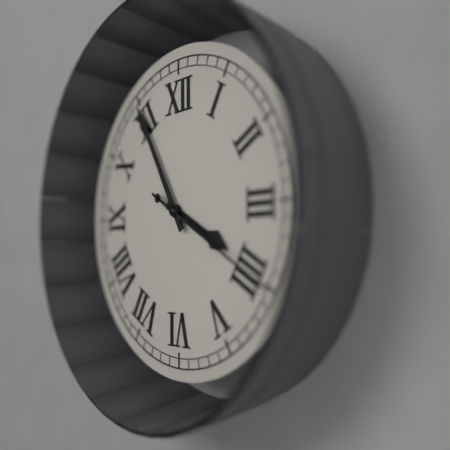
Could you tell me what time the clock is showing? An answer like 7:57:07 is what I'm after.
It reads 3:55:20
